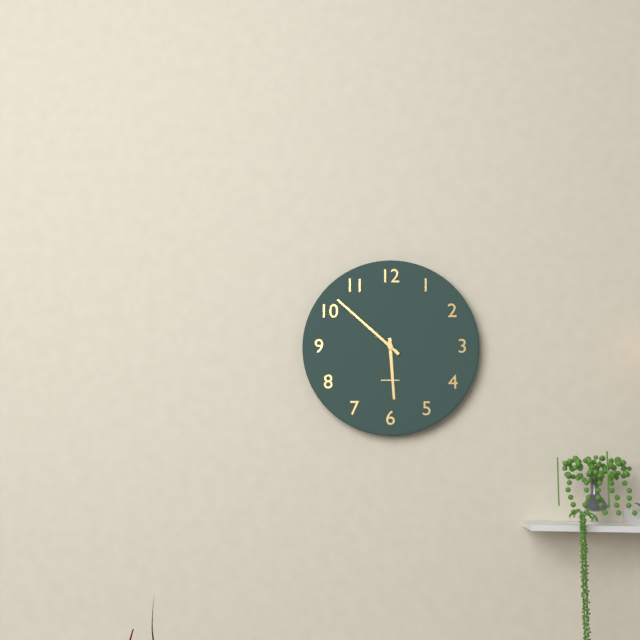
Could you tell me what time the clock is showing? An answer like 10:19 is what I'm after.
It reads 5:52
